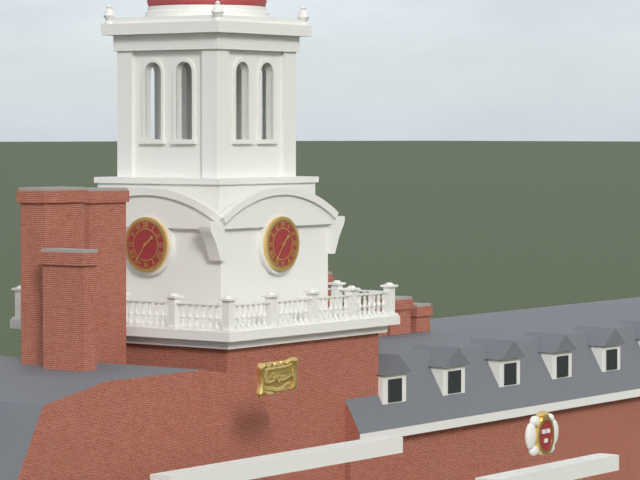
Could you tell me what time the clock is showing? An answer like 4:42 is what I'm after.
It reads 1:36
